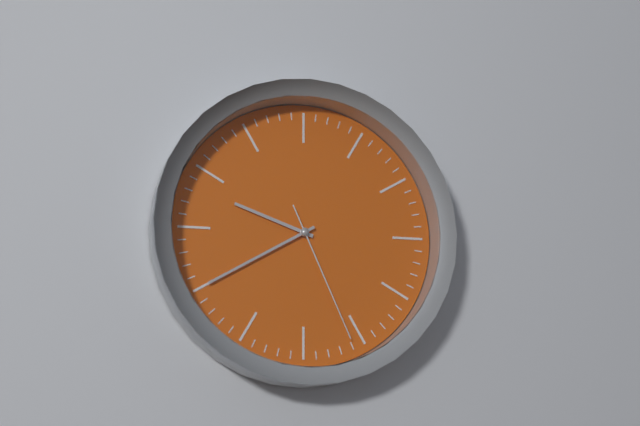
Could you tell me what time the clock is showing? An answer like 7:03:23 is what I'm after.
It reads 9:40:26
